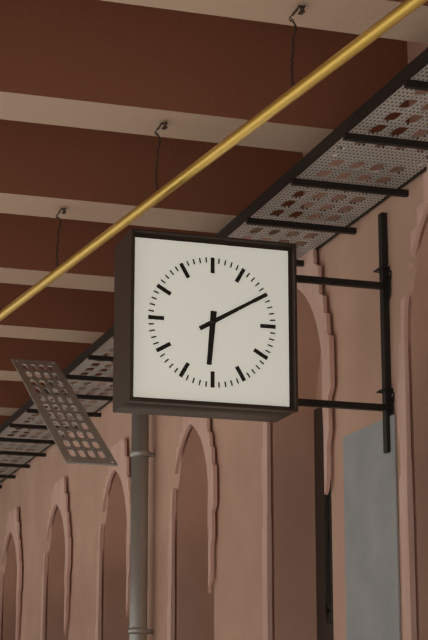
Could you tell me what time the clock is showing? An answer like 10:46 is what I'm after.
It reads 6:10
